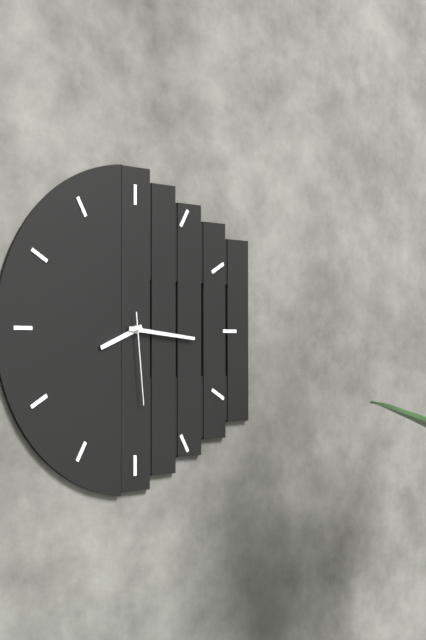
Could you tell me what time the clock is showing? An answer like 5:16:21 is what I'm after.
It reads 8:16:29
